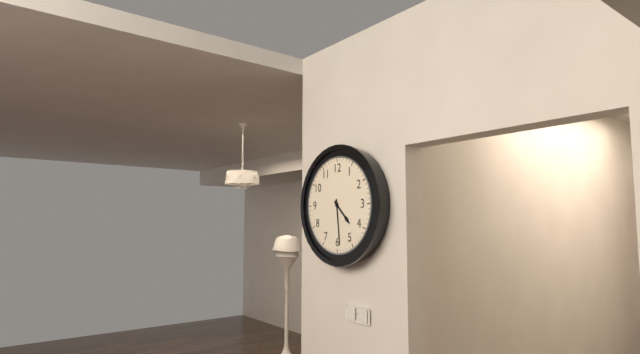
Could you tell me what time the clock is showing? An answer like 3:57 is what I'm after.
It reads 4:29
